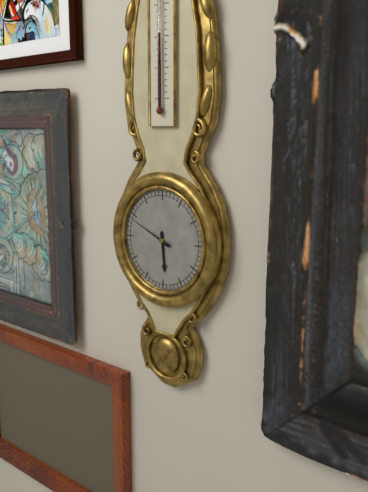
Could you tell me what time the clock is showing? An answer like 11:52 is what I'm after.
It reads 5:49
